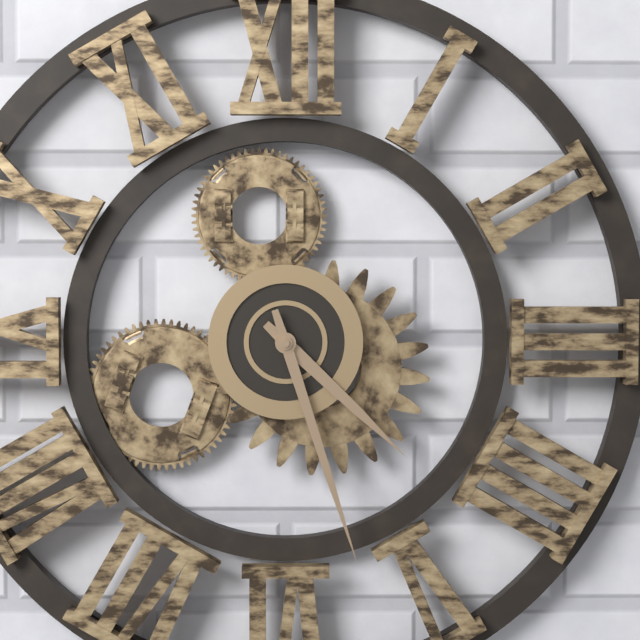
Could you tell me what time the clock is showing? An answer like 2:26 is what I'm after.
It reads 4:27
